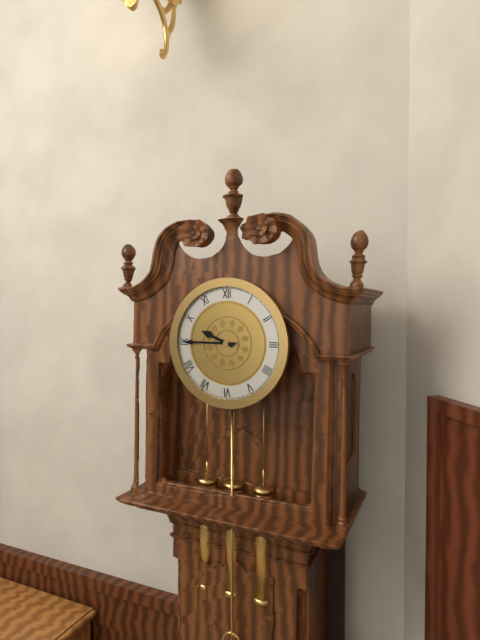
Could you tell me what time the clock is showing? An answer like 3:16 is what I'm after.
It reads 9:45
